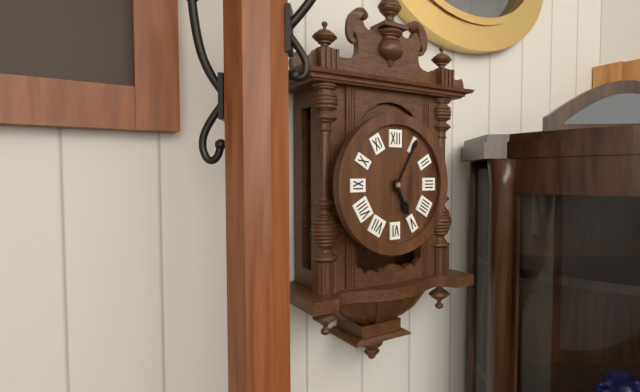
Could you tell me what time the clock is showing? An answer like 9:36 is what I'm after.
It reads 5:05
